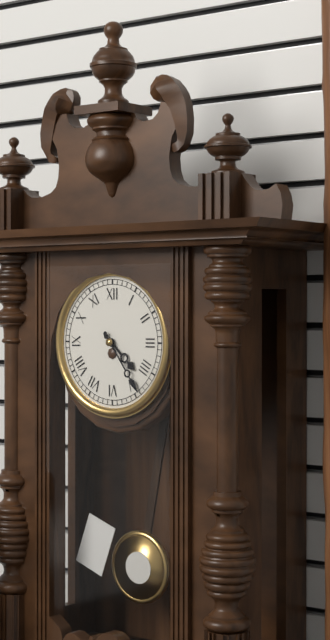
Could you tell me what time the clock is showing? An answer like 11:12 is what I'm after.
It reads 4:24
